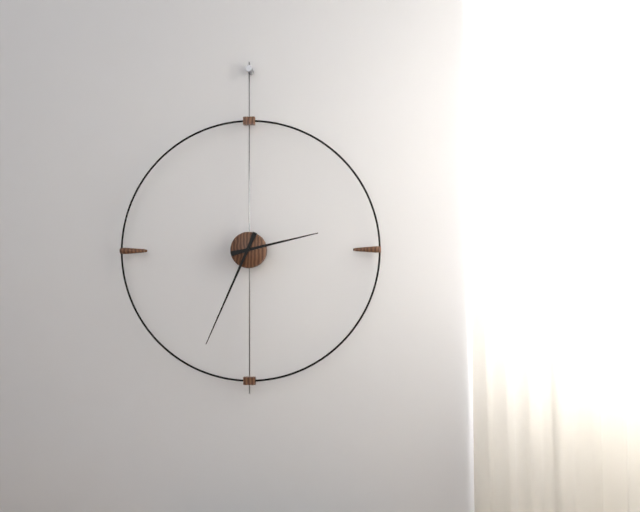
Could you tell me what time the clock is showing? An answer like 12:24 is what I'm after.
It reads 2:34
